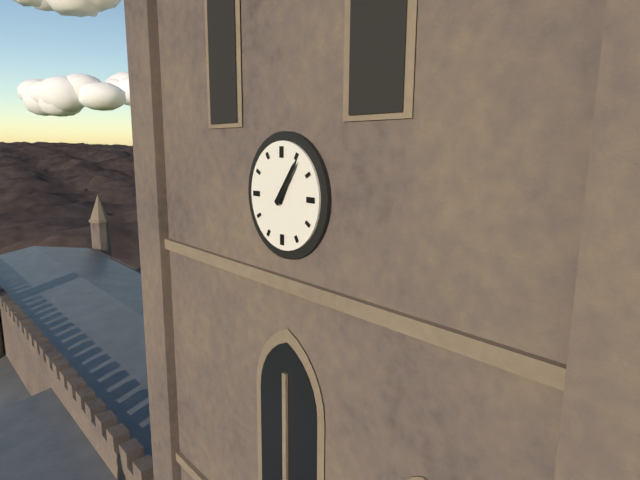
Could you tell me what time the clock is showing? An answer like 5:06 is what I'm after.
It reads 1:06
